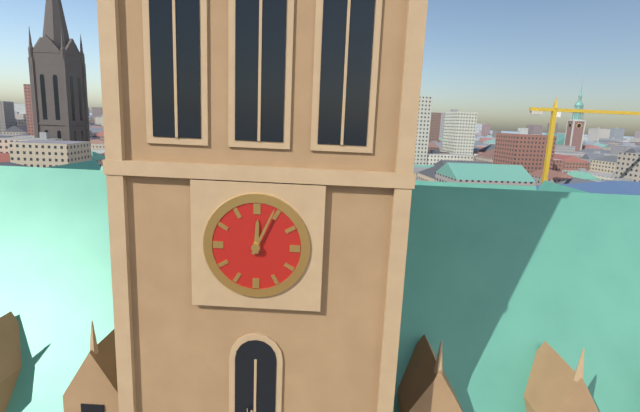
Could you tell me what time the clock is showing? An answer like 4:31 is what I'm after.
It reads 12:04
